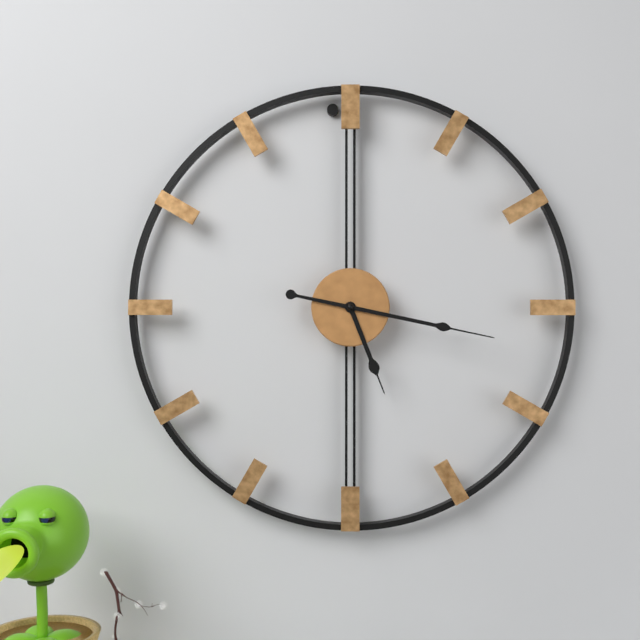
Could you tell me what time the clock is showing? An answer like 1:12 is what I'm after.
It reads 5:17
